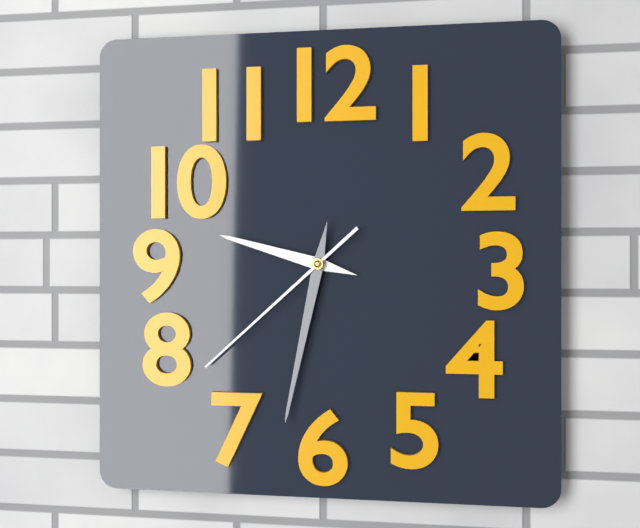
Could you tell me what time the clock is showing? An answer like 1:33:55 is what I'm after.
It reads 9:32:38
